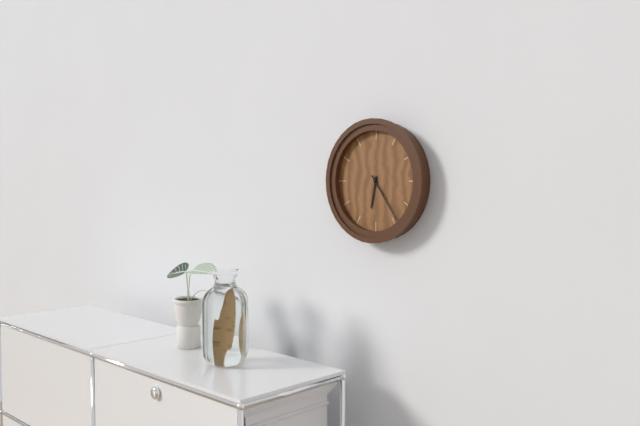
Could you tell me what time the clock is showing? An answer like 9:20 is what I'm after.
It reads 6:24
